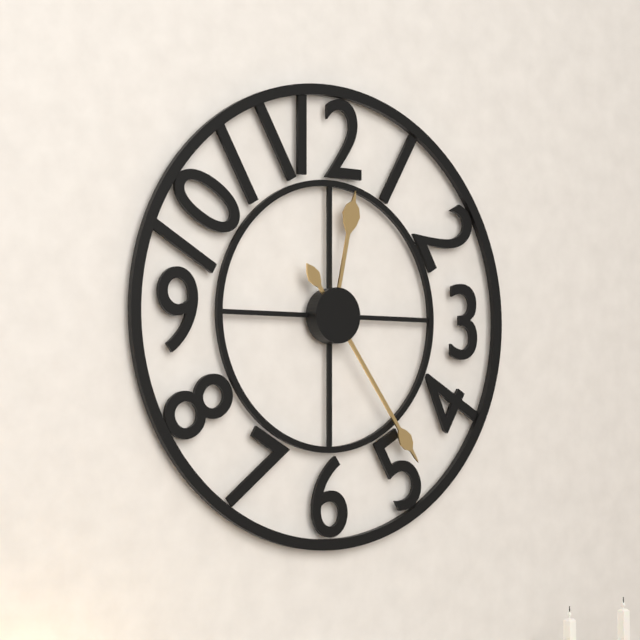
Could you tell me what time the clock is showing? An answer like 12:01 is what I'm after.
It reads 12:24
